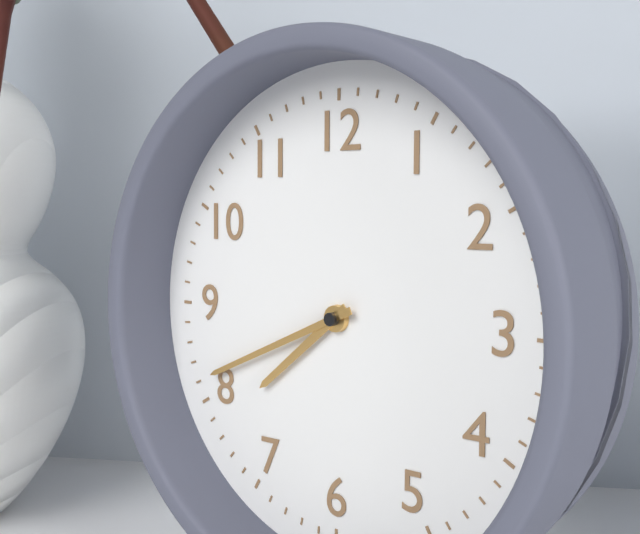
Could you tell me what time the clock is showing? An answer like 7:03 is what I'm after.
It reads 7:41
